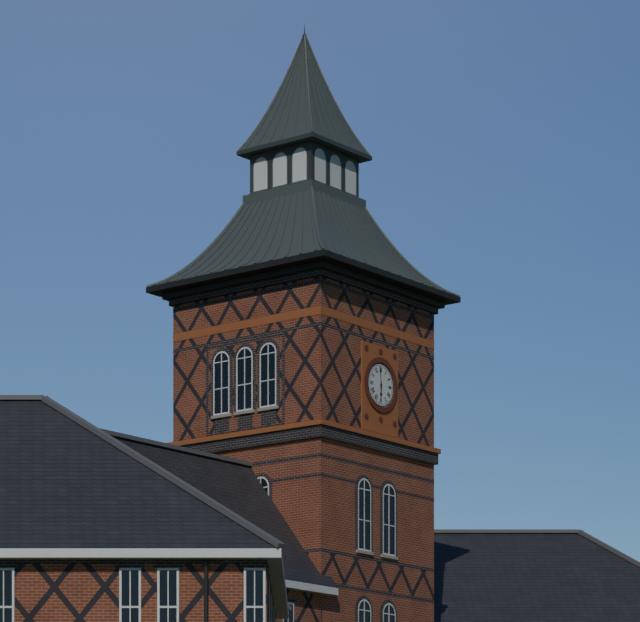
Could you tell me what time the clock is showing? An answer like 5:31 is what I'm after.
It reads 5:59
